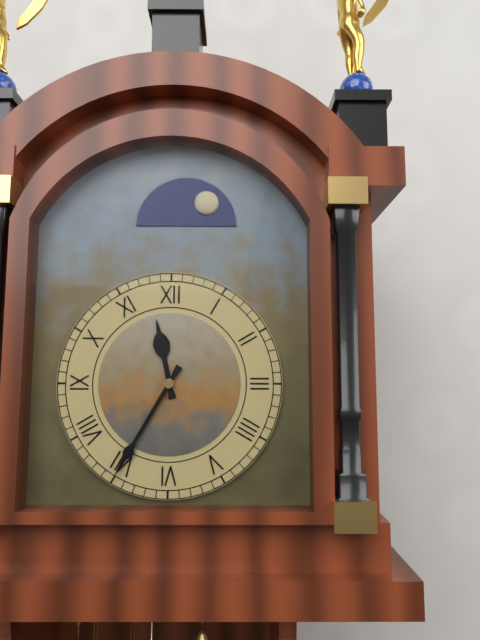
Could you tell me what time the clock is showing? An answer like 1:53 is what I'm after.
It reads 11:35
